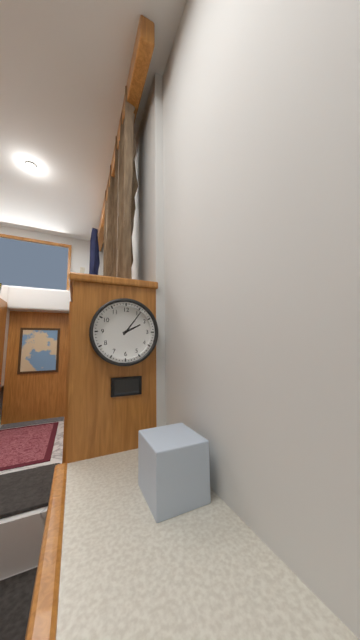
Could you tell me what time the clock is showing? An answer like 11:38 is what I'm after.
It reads 2:06
